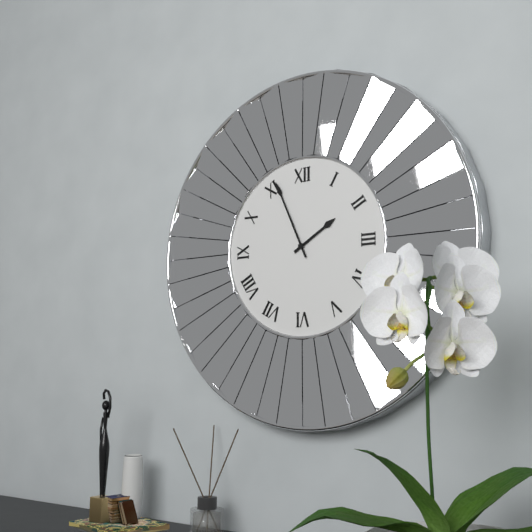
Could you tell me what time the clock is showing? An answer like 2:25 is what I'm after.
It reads 1:56
